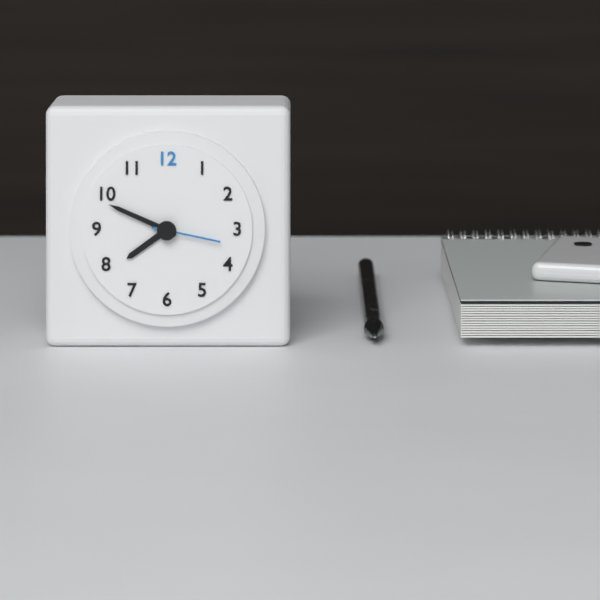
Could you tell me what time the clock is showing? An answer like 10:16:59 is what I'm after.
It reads 7:49:17
